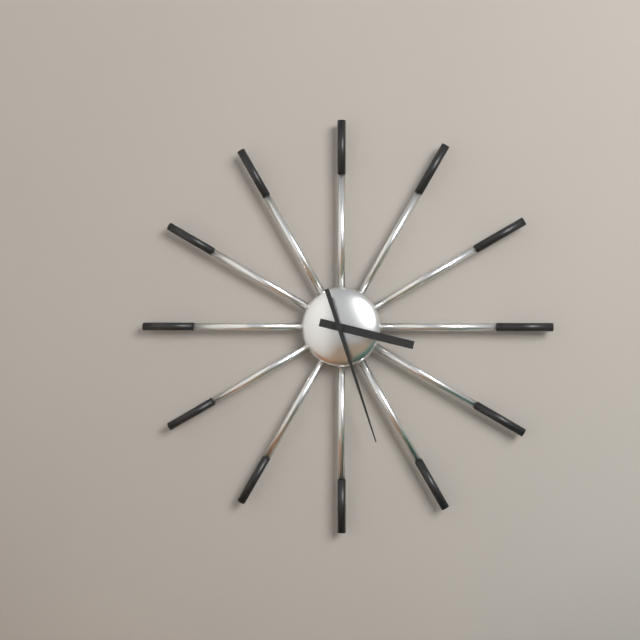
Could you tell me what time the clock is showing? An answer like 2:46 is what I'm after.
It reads 3:27
